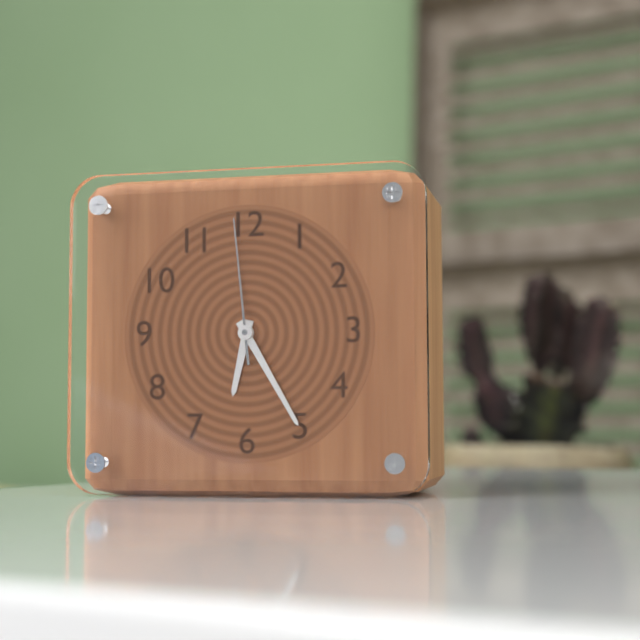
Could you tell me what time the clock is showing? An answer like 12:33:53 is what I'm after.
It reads 6:25:59
